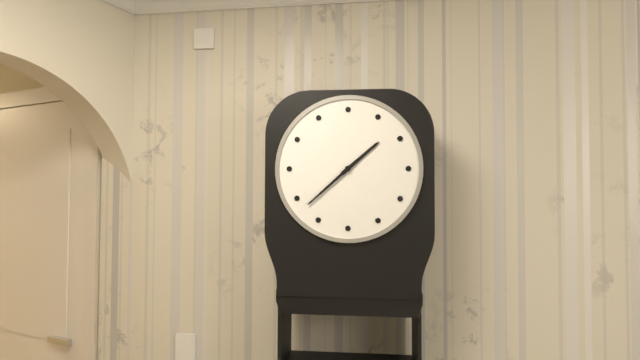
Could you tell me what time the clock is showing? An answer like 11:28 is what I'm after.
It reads 1:38
